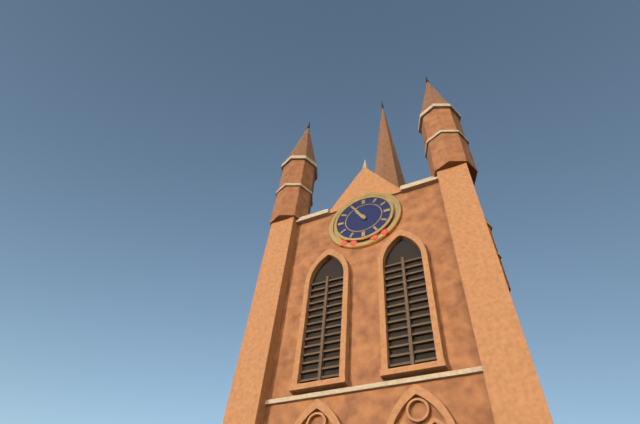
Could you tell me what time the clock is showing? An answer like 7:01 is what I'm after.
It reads 10:55
